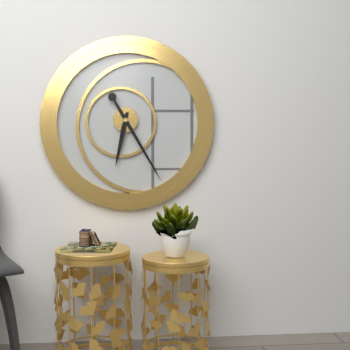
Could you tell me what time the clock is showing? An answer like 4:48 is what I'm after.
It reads 6:25
